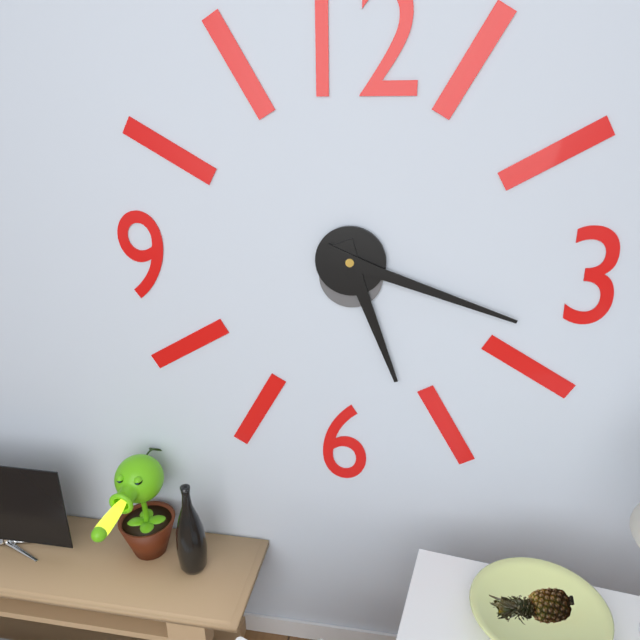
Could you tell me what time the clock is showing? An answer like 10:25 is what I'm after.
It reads 5:18
